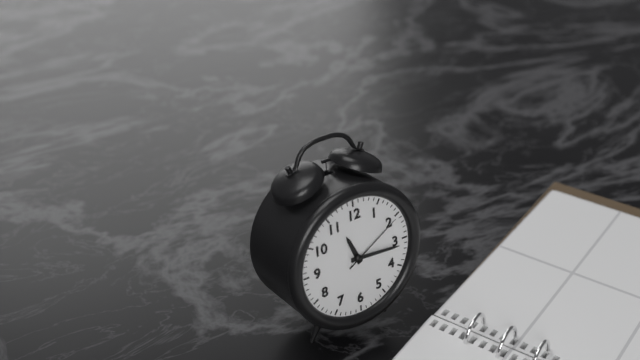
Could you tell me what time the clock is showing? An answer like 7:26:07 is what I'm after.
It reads 11:16:10
